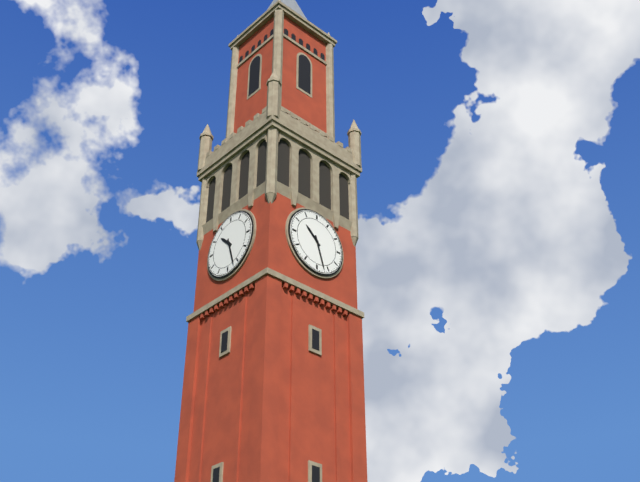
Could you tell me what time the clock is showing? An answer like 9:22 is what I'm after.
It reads 10:27
